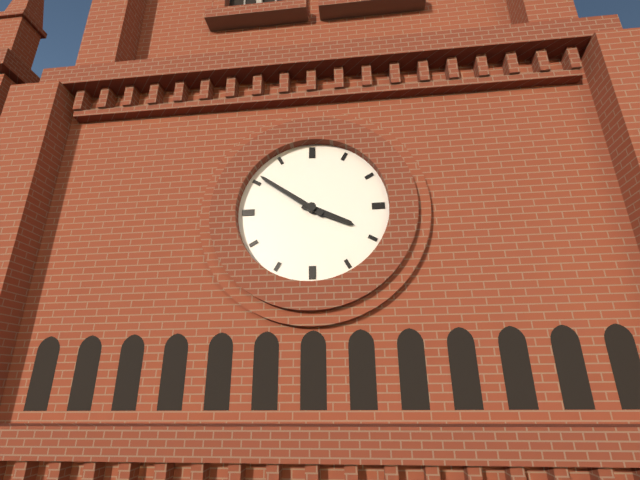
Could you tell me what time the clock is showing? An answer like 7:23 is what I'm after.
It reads 3:51
